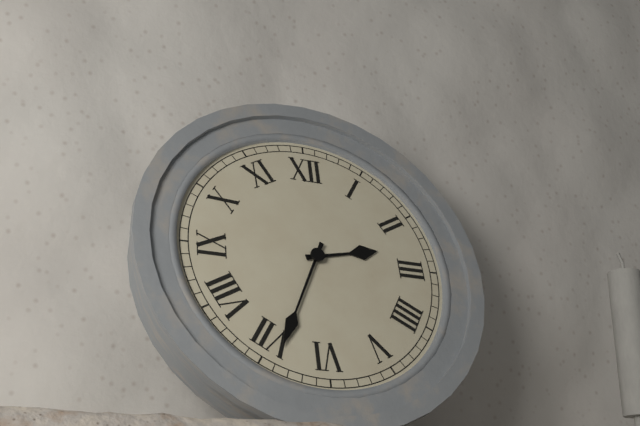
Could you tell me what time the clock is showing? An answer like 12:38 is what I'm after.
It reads 2:34
